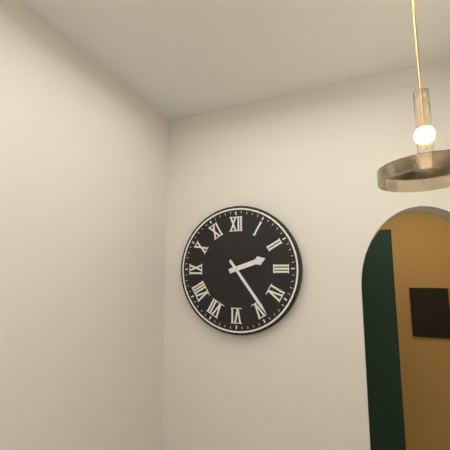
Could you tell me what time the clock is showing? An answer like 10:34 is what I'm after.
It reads 2:24
